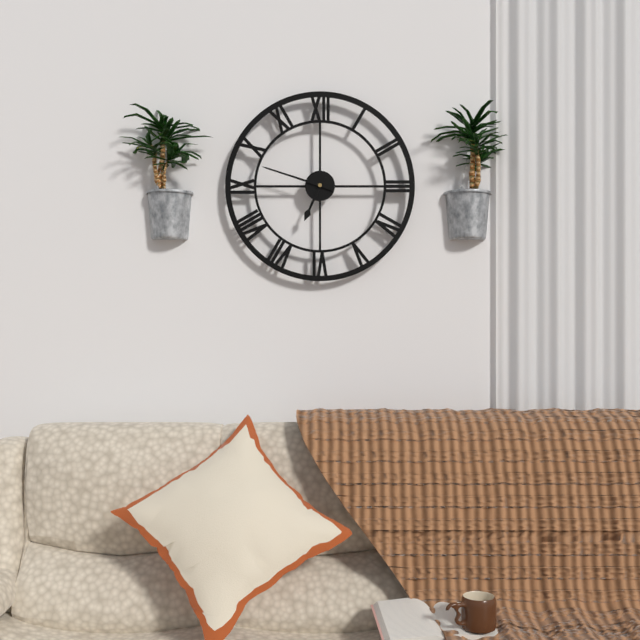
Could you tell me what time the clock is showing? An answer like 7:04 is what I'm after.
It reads 6:48
